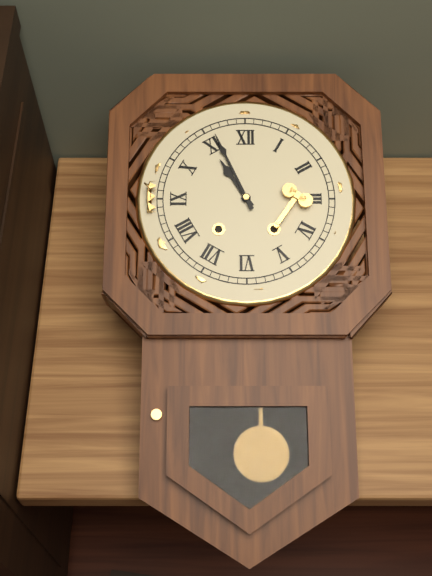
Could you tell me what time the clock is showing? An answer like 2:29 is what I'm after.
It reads 10:56
